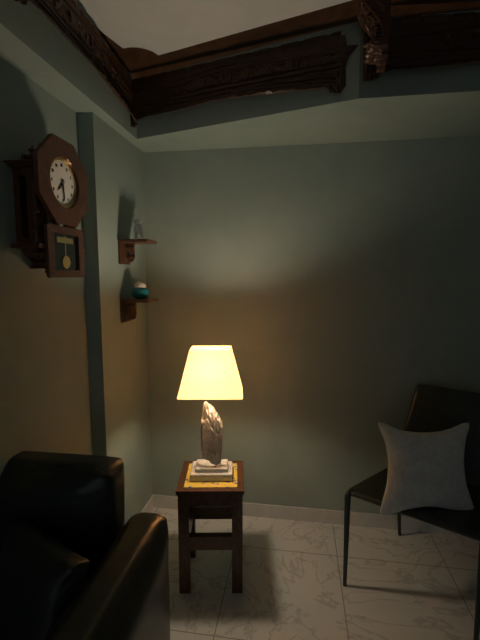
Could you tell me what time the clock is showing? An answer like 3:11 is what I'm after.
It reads 7:29
